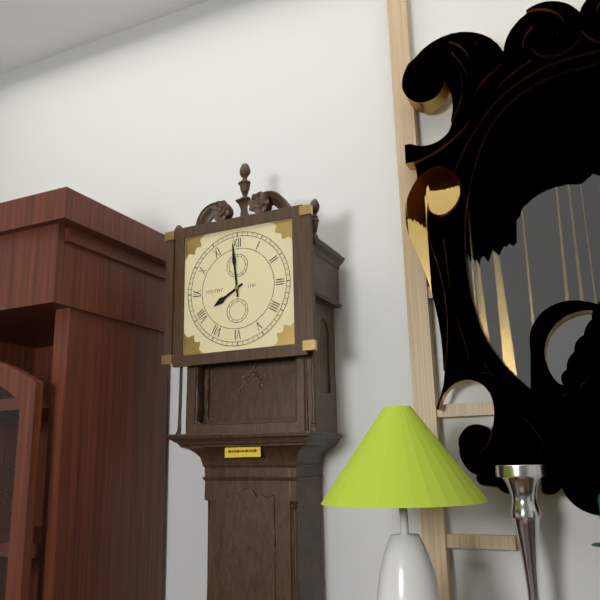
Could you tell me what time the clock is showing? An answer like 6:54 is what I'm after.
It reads 7:59
